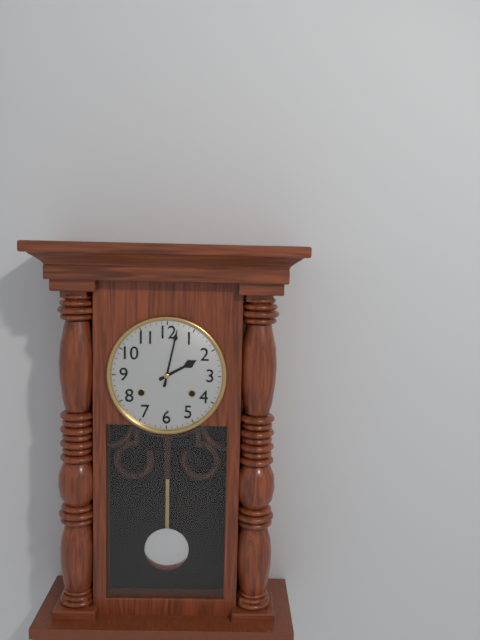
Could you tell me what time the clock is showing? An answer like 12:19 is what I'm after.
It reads 2:02
